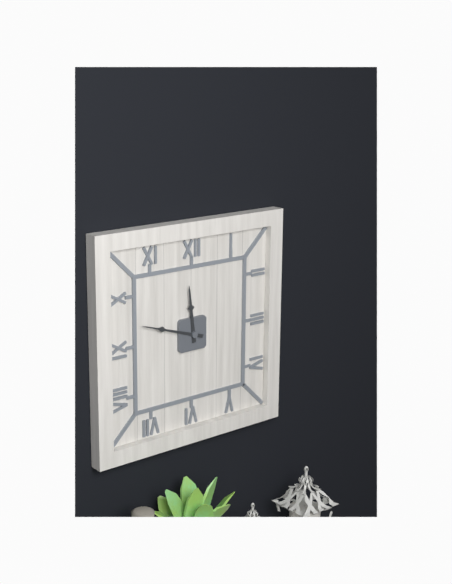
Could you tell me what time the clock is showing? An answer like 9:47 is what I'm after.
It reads 11:48
